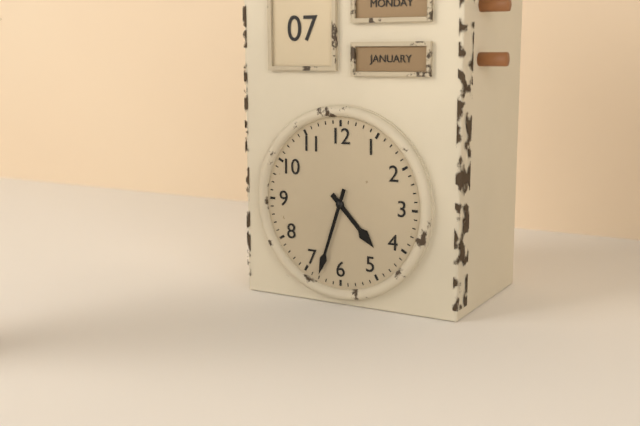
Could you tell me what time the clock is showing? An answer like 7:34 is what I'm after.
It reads 4:33
